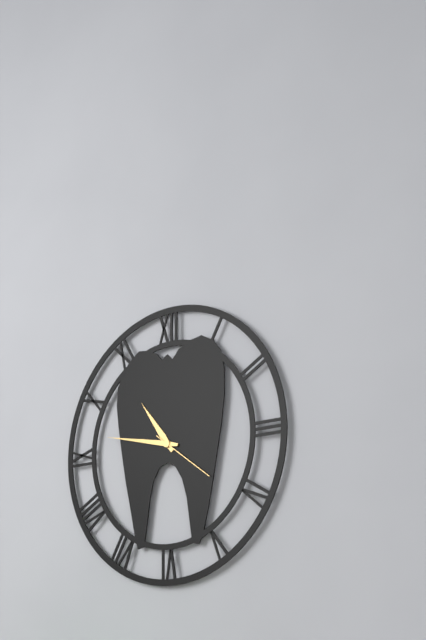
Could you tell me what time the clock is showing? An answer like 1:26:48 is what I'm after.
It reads 10:47:21
